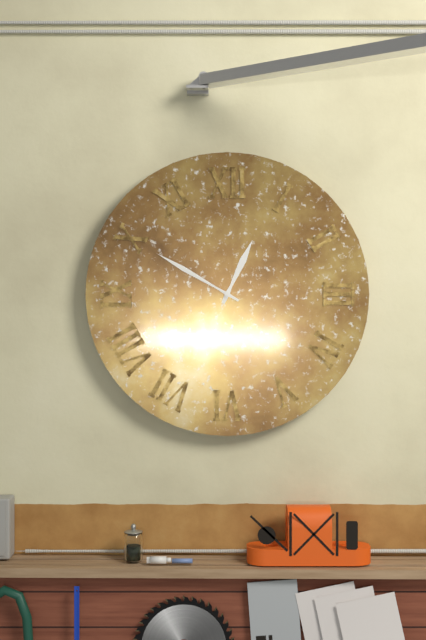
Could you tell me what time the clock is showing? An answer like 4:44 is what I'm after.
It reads 12:50
